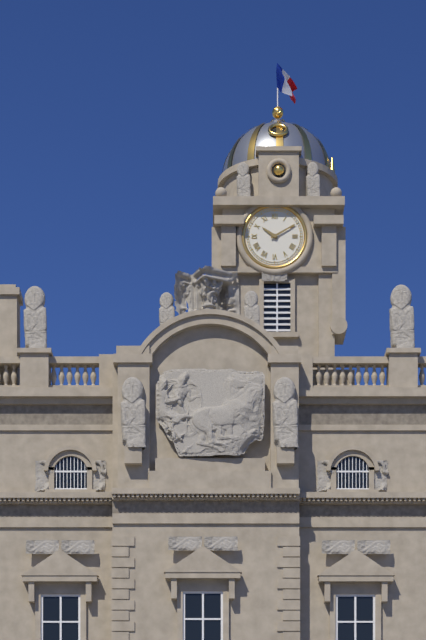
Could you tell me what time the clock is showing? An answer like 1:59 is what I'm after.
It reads 10:10
